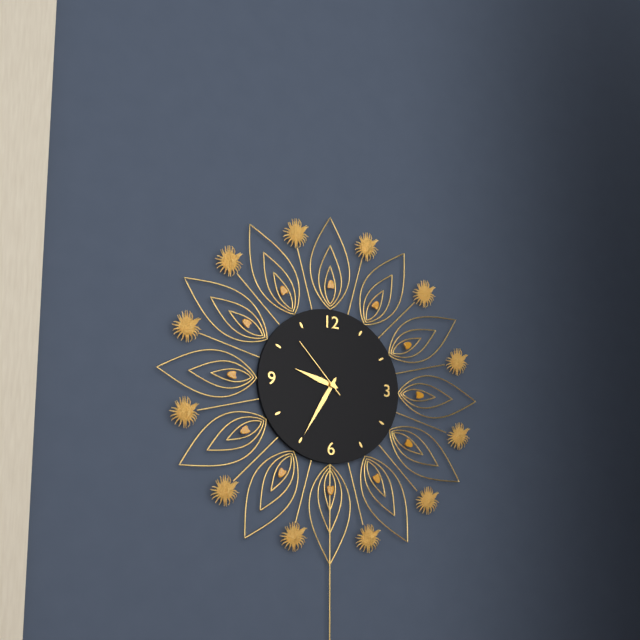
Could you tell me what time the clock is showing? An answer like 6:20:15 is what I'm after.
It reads 9:35:53
